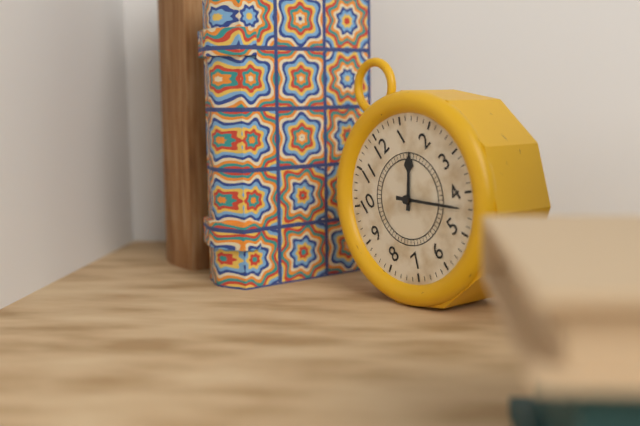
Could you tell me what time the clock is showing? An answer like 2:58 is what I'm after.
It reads 1:22
